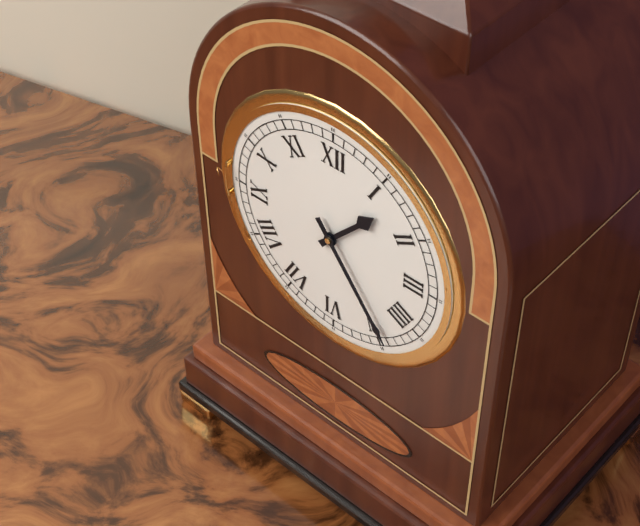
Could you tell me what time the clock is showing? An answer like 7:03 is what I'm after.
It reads 1:24
